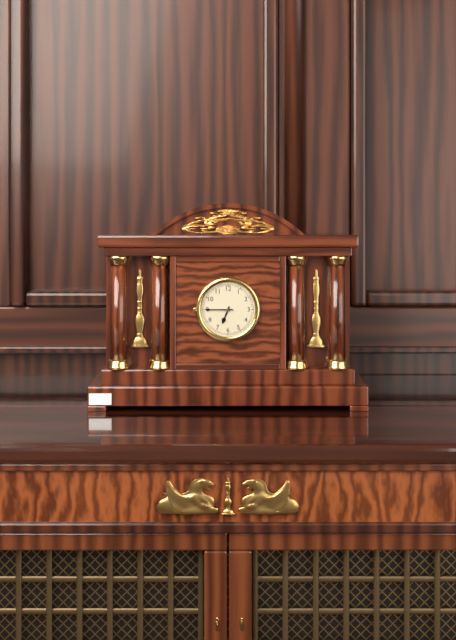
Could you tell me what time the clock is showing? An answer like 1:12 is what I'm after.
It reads 6:45
